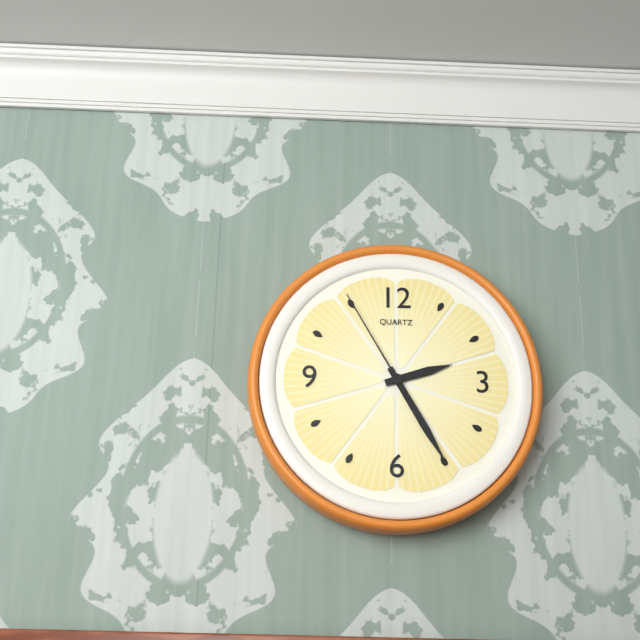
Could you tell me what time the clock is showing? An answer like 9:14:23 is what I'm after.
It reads 2:25:55
